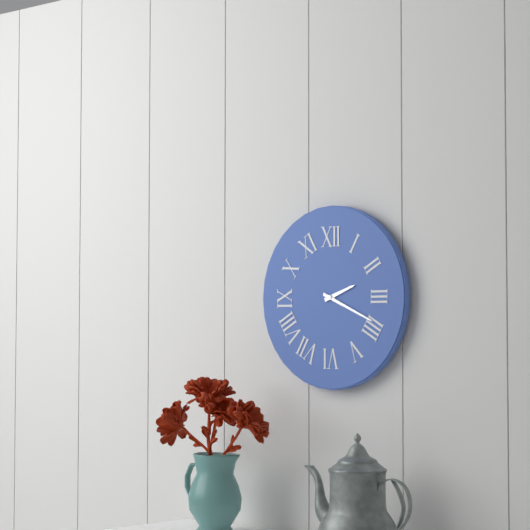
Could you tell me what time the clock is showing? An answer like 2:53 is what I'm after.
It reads 2:19
